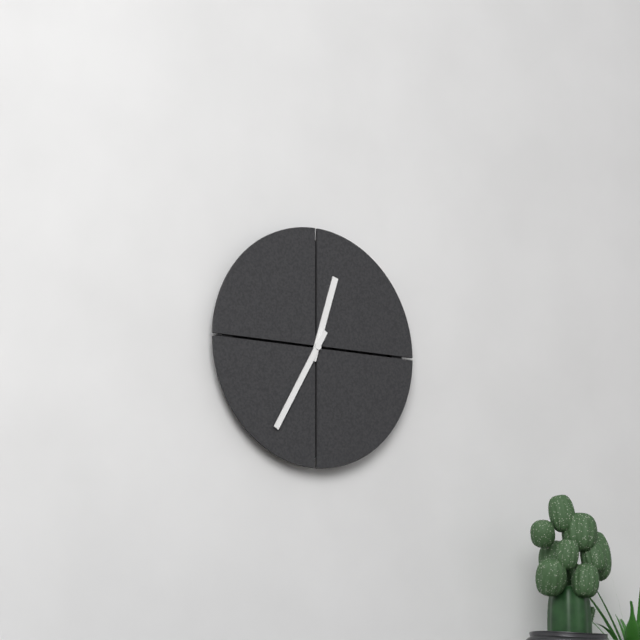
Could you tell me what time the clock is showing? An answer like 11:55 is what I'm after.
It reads 12:35
